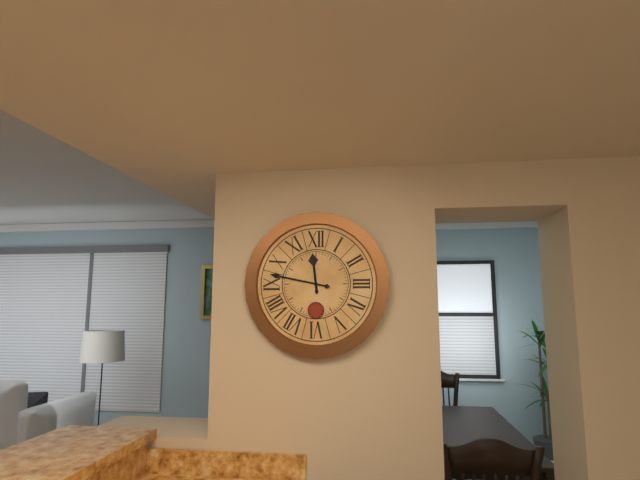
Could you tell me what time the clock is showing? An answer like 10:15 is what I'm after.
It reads 11:47
